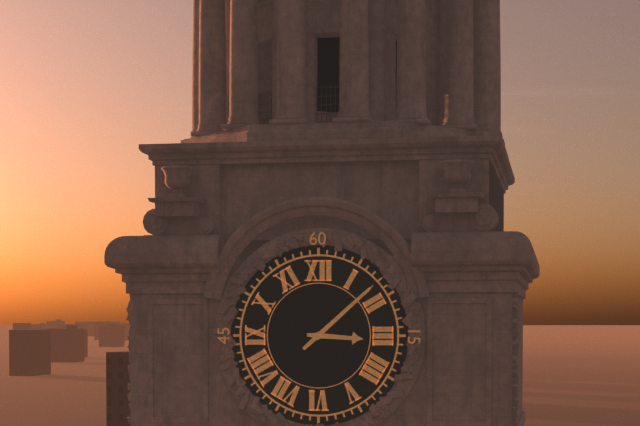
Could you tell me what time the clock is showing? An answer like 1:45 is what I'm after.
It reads 3:08
